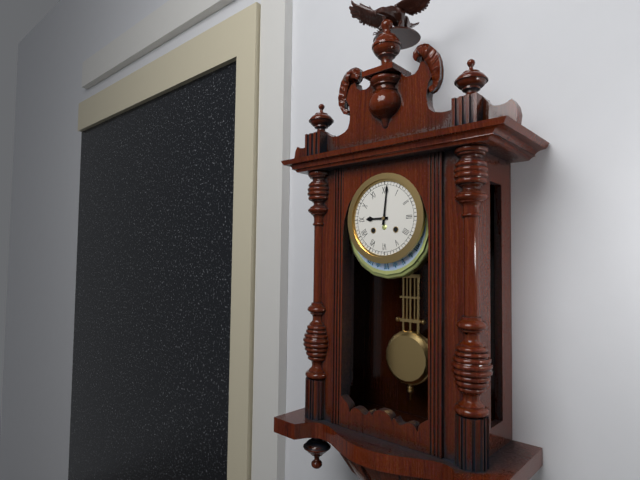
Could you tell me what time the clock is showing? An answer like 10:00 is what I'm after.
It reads 9:01
